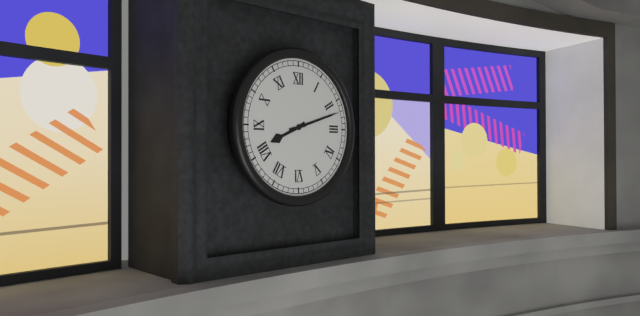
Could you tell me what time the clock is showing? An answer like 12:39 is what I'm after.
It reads 8:12
